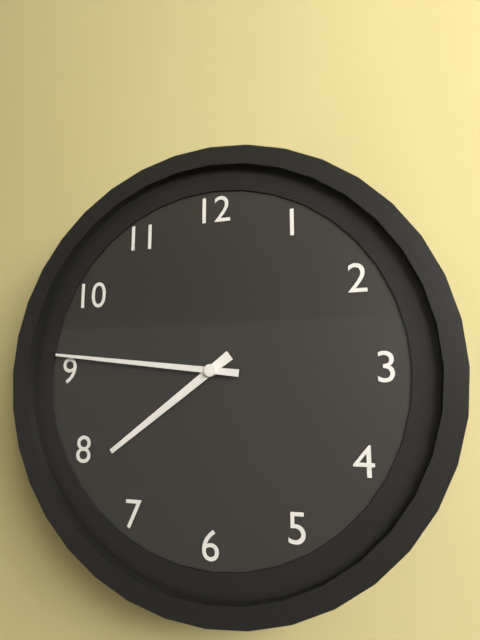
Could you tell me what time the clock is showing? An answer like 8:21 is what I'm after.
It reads 7:46
